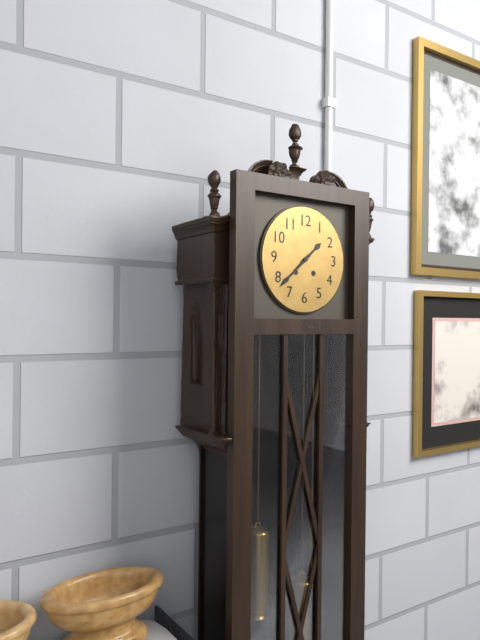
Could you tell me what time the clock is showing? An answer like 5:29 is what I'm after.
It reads 1:38
